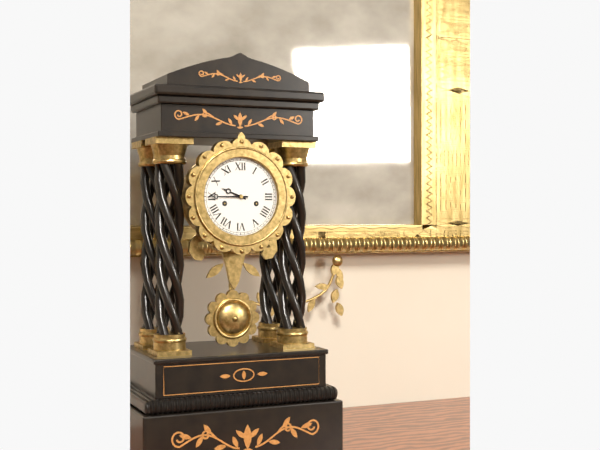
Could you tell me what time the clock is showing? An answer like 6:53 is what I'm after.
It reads 9:45
